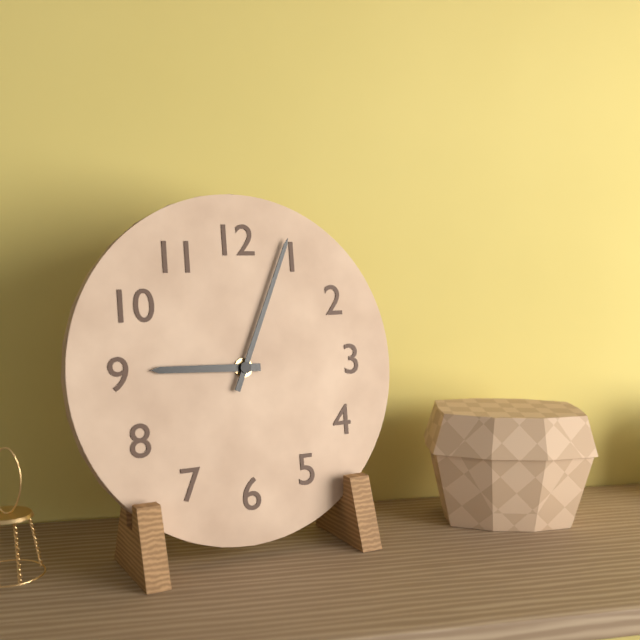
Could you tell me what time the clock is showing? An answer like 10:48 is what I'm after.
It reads 9:04
